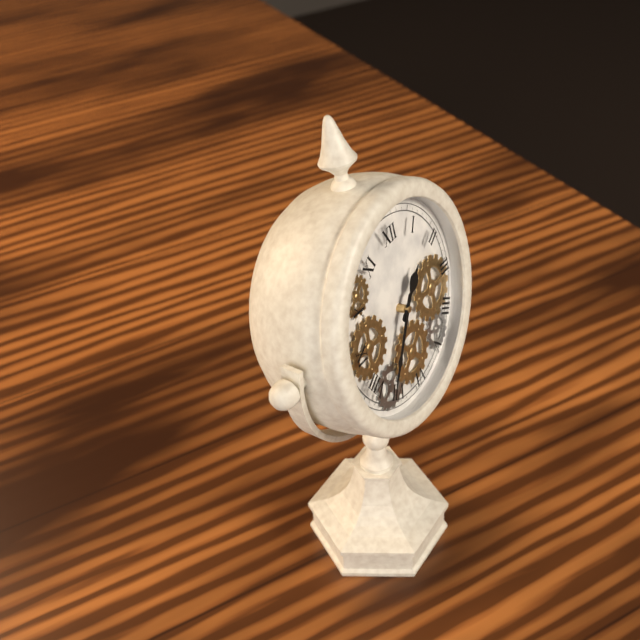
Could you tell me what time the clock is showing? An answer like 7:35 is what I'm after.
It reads 1:36
